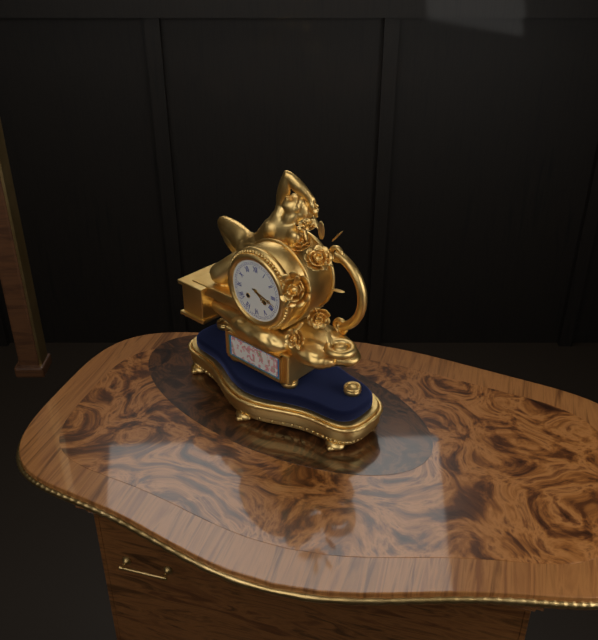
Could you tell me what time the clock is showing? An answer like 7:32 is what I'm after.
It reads 4:18
